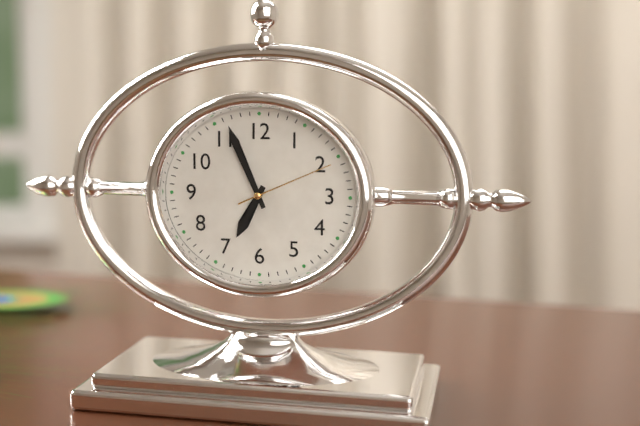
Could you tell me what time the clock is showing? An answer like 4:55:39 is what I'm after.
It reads 6:56:11
